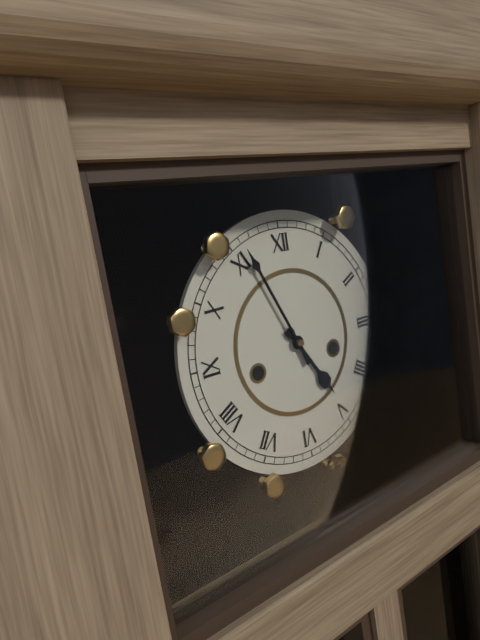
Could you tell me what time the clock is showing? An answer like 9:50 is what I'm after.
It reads 4:56
